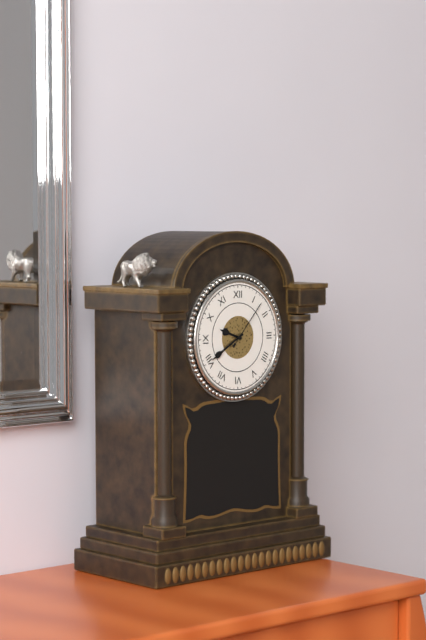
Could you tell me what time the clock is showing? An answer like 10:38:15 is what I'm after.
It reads 9:40:07
